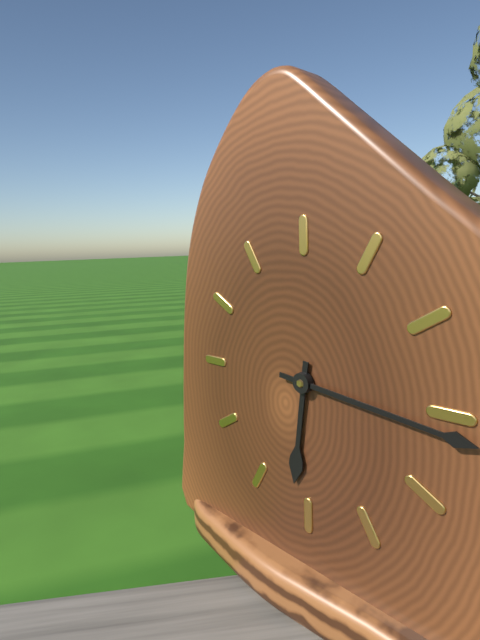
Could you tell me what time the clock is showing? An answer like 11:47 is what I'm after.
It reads 6:16
